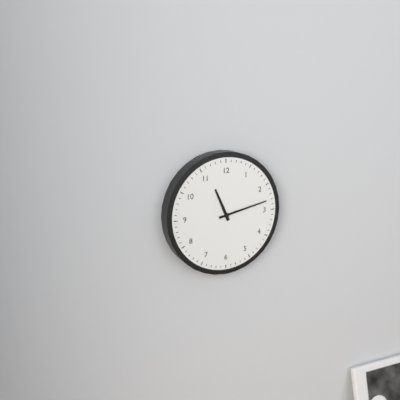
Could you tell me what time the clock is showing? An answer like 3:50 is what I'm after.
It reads 11:13
